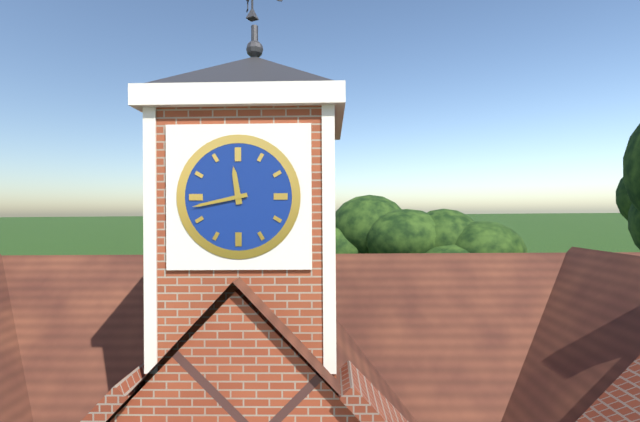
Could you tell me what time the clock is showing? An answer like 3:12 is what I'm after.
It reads 11:43
